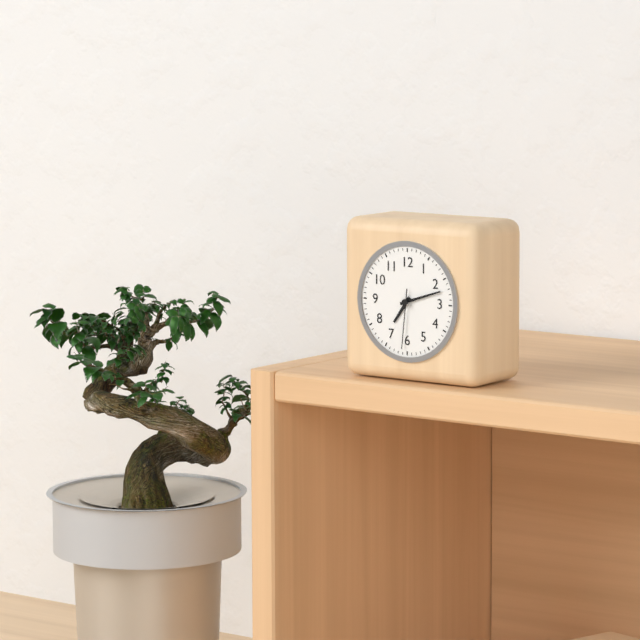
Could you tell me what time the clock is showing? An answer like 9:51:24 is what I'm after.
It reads 7:12:31
